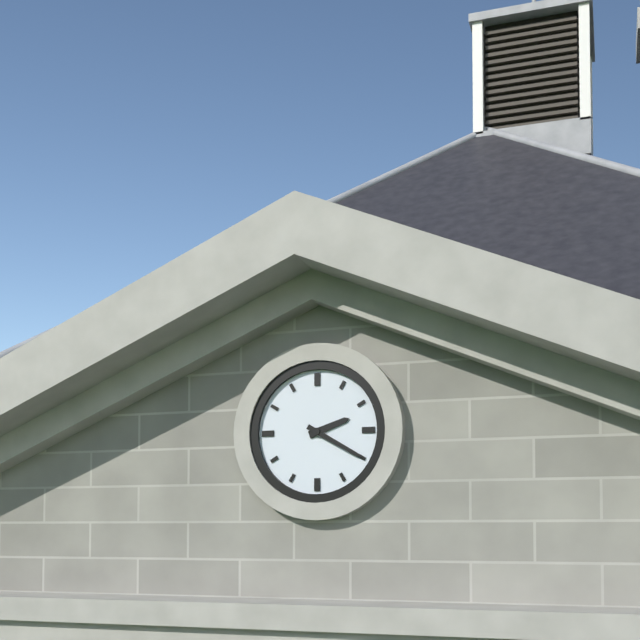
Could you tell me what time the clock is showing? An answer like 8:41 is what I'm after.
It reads 2:20
